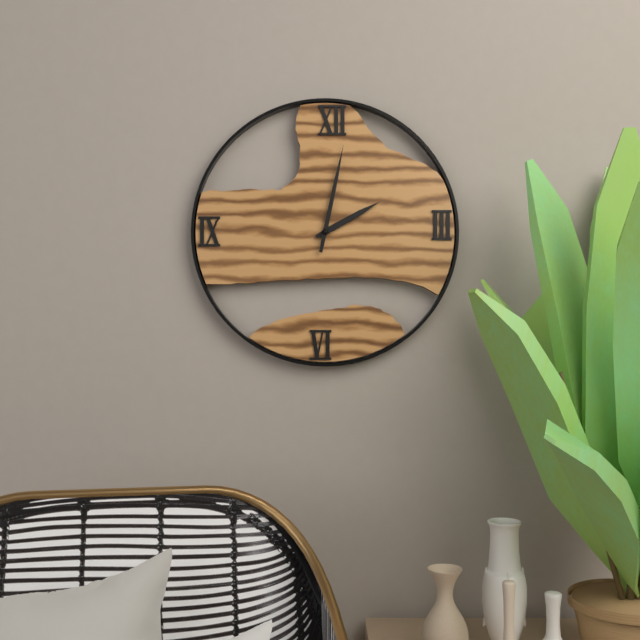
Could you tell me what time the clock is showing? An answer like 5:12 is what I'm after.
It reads 2:02
